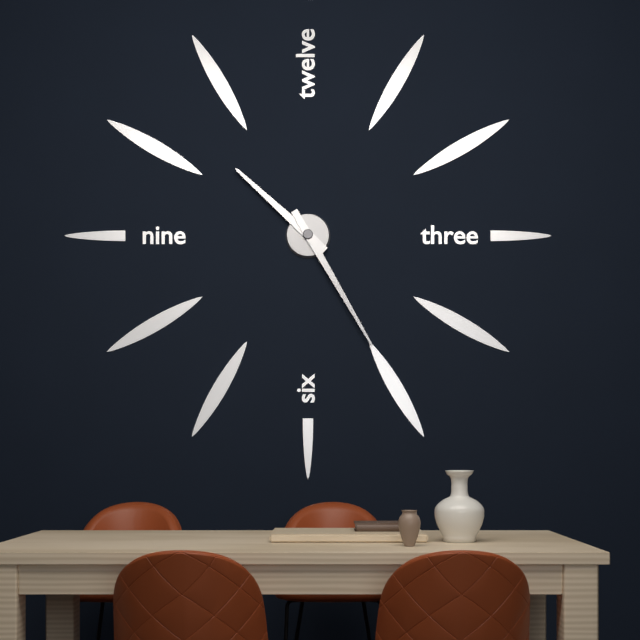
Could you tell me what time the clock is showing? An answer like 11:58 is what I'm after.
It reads 10:25
